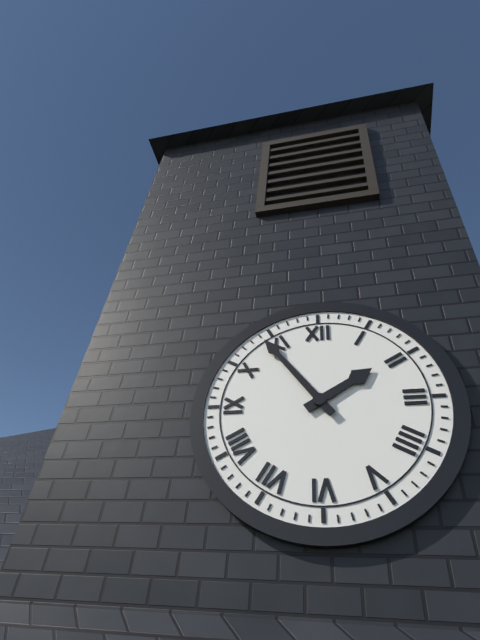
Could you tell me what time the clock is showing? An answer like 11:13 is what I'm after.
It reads 1:54
